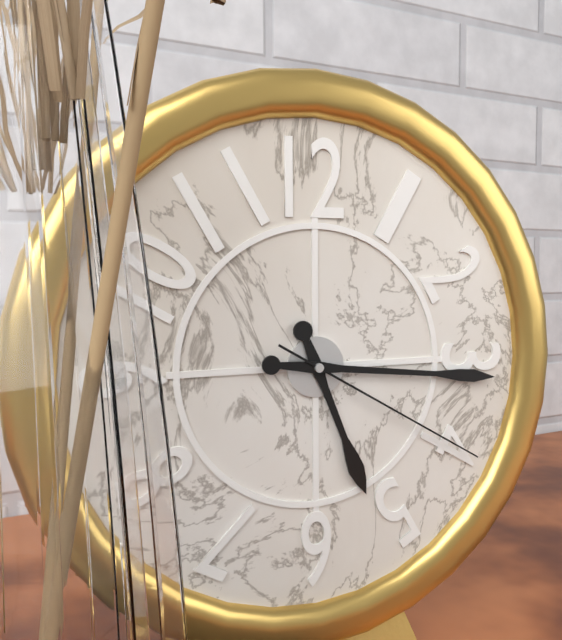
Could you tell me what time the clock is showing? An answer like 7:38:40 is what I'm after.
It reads 5:16:20
